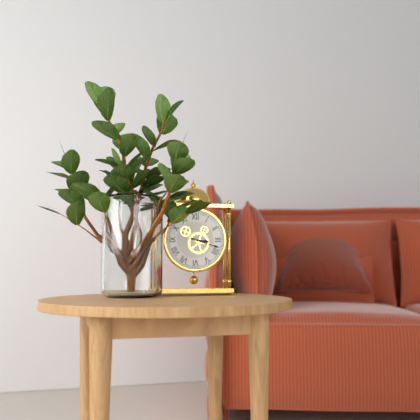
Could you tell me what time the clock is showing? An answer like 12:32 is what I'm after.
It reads 3:18
